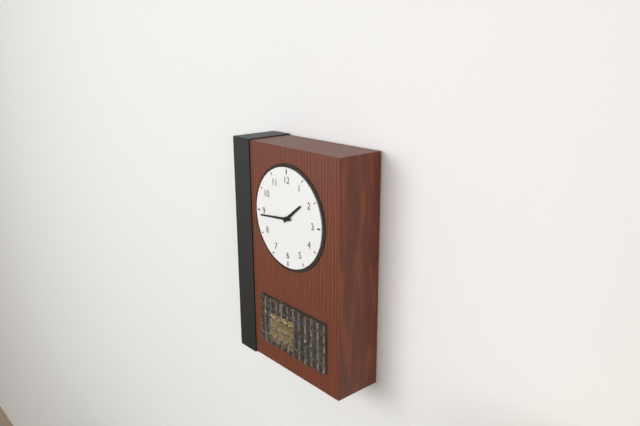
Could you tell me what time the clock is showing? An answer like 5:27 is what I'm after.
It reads 1:44
